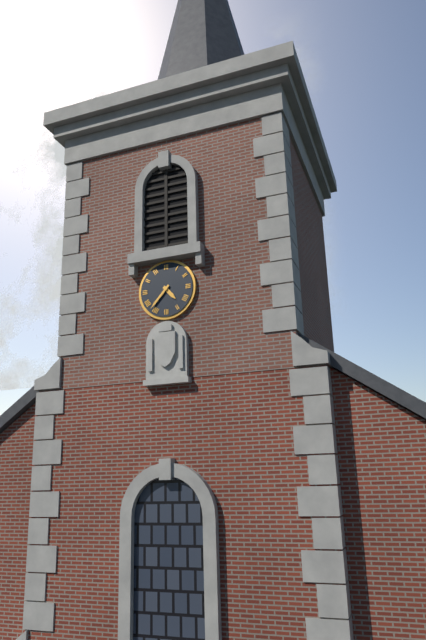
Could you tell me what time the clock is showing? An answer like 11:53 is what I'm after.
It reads 4:37
